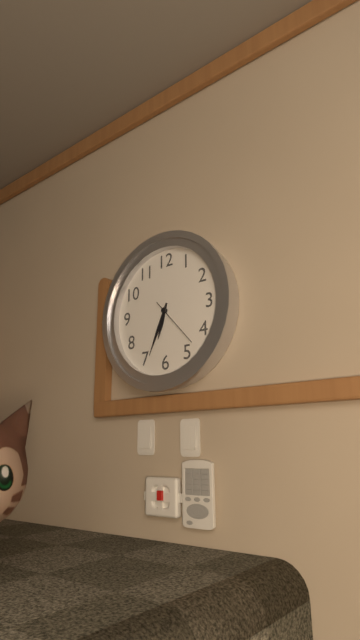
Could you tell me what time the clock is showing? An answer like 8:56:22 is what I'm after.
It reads 6:34:23
